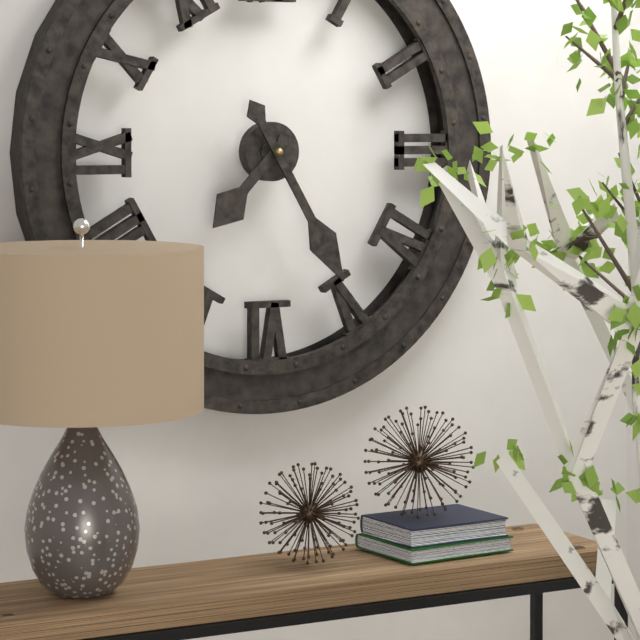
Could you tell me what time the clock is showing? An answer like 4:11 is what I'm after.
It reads 7:25
